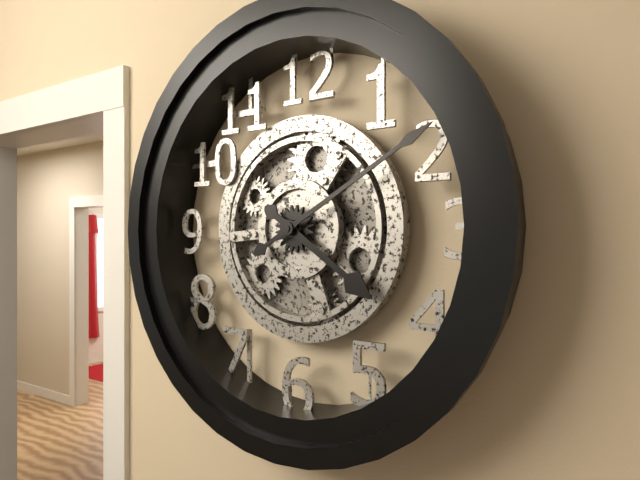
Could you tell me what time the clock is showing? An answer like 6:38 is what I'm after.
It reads 4:10
